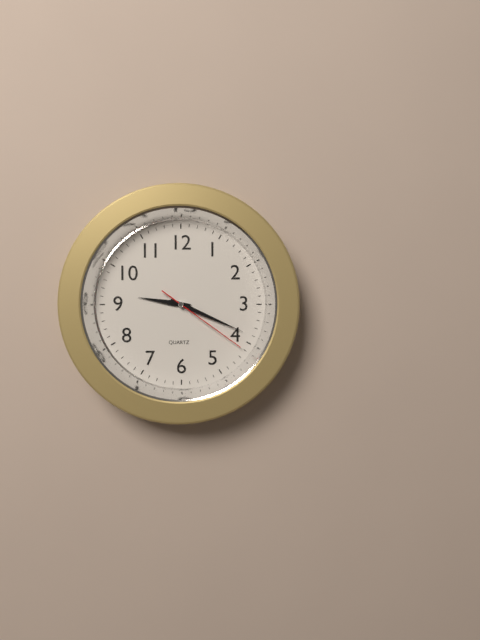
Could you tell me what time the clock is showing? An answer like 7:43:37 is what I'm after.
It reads 9:19:21
